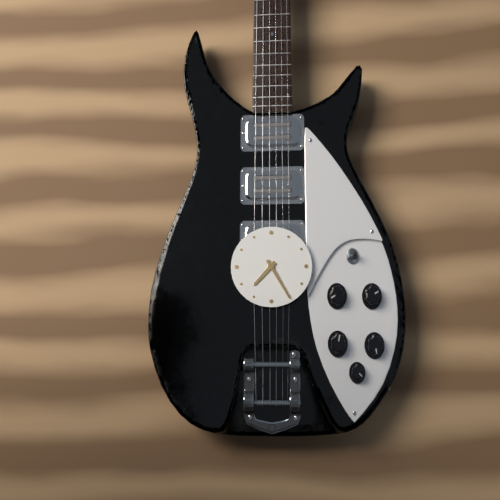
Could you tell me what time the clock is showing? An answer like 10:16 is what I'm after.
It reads 7:25
